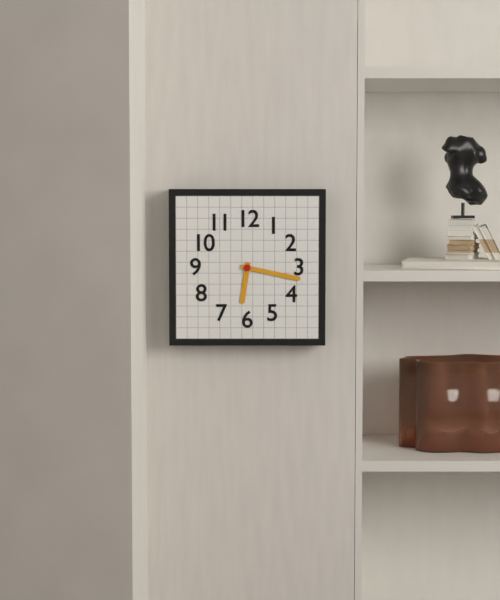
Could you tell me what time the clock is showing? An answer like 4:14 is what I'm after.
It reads 6:17
